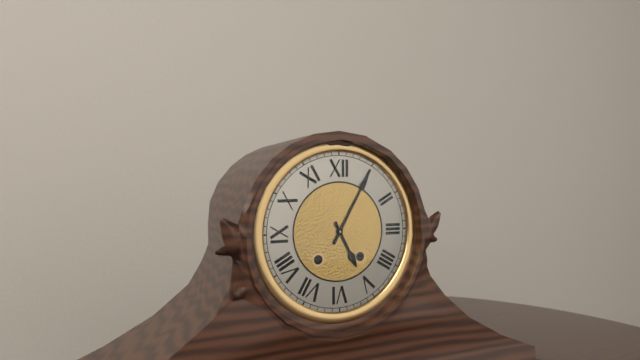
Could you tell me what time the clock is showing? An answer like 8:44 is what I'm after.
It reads 5:05
